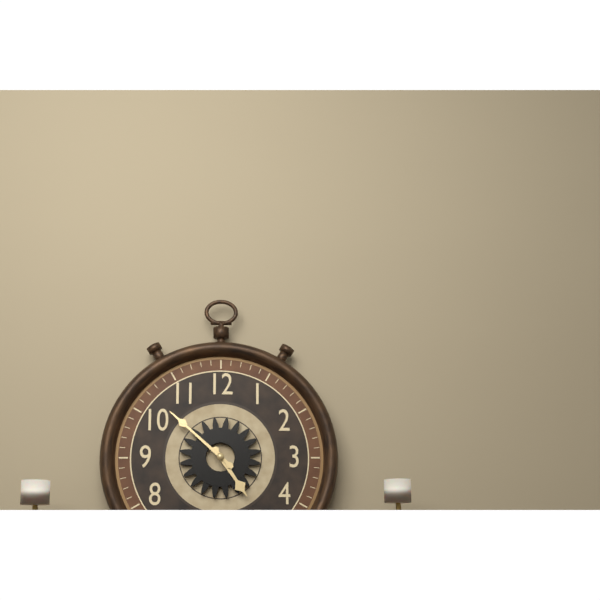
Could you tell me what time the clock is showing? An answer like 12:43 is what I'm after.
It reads 4:52
